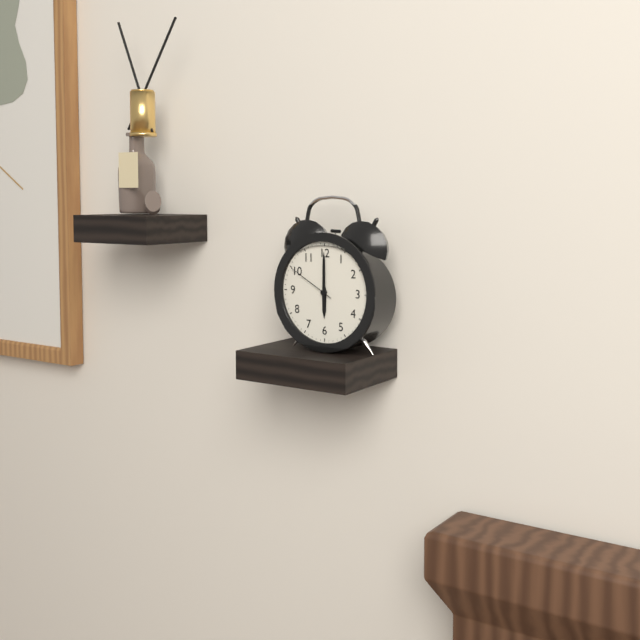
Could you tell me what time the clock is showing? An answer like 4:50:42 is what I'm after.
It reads 6:00:50
